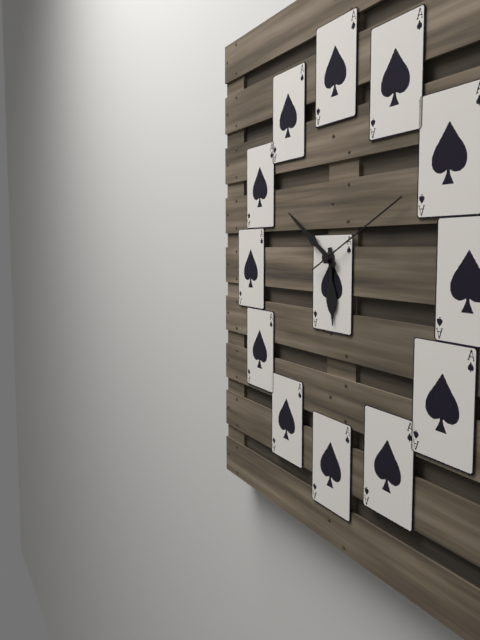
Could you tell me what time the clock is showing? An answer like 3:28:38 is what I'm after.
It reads 5:50:11
